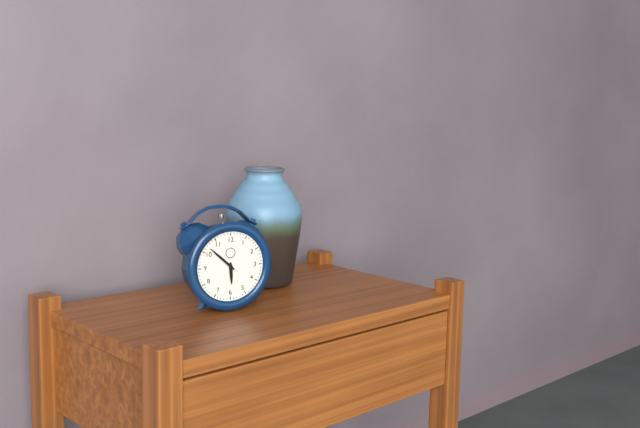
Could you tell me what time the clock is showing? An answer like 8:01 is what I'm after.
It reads 5:52
